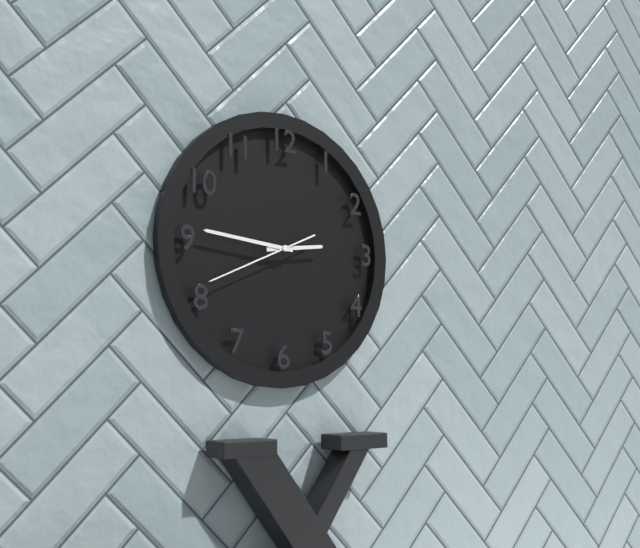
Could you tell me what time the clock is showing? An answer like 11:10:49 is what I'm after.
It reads 2:46:41
